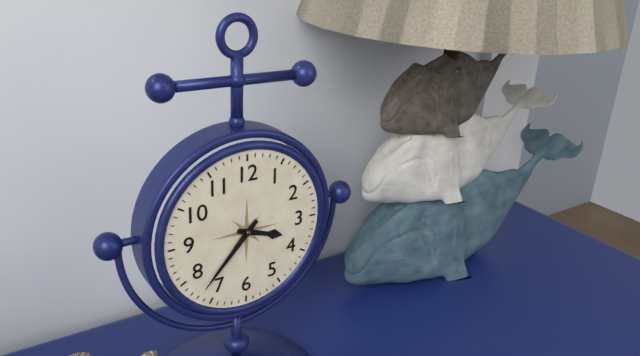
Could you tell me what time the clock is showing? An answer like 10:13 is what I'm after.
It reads 3:37
